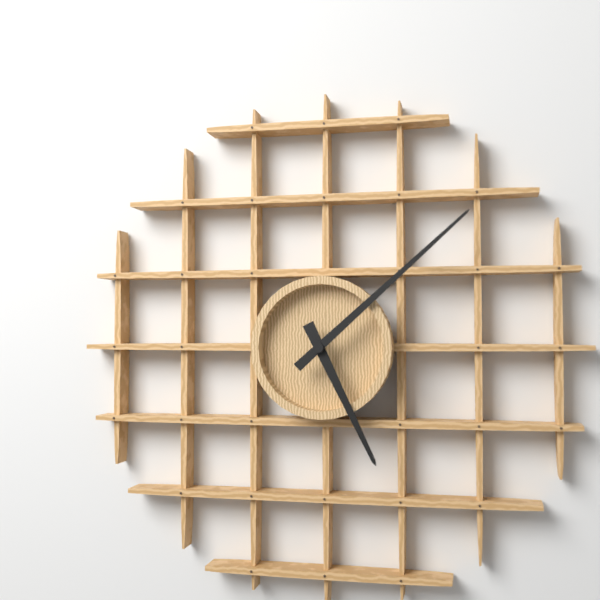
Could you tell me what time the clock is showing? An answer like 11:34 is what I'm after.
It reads 5:08
